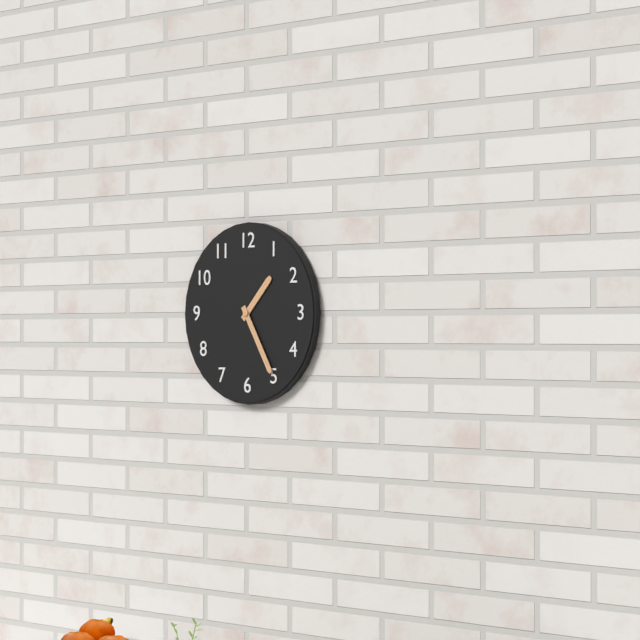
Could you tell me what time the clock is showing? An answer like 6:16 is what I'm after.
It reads 1:25
